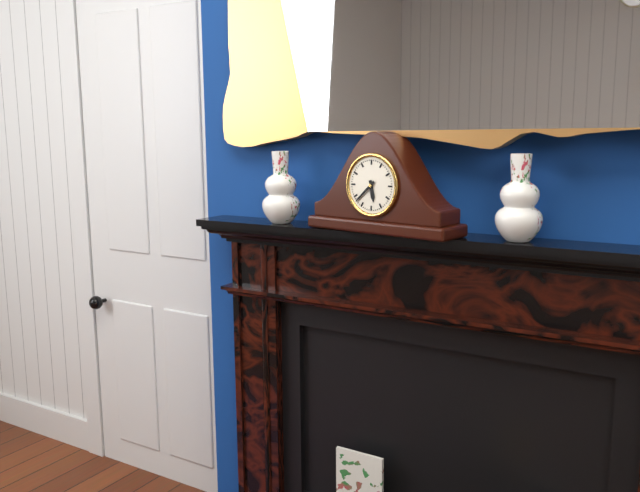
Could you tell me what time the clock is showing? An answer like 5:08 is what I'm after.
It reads 5:38
